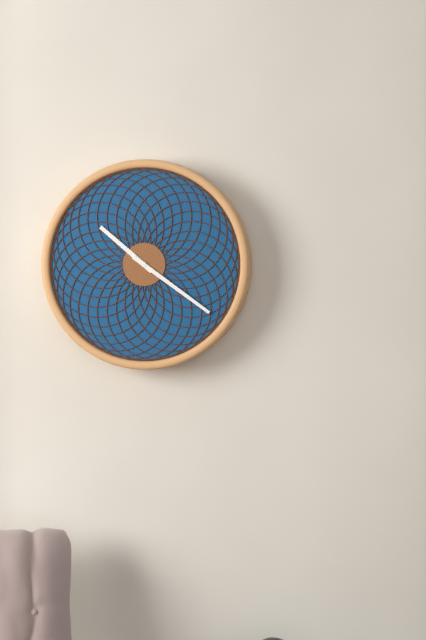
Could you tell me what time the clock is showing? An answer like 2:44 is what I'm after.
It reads 10:21
